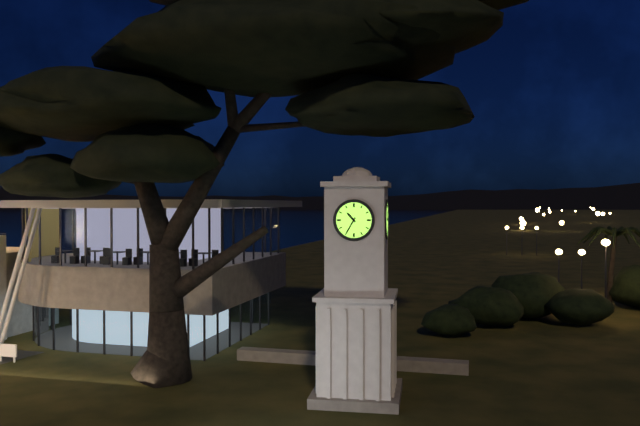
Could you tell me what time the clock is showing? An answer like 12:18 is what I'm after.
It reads 10:35
